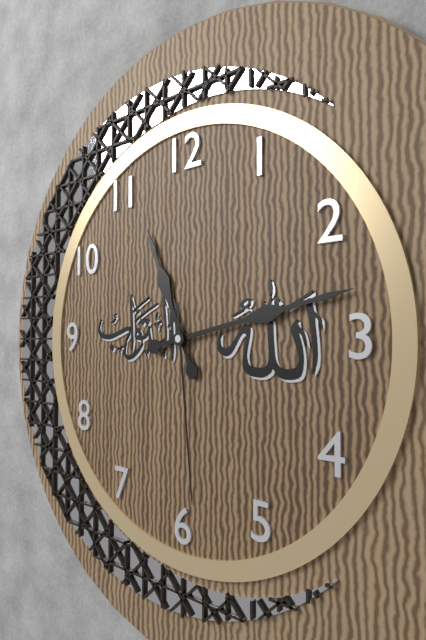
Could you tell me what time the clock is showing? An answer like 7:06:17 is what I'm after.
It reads 11:13:29
